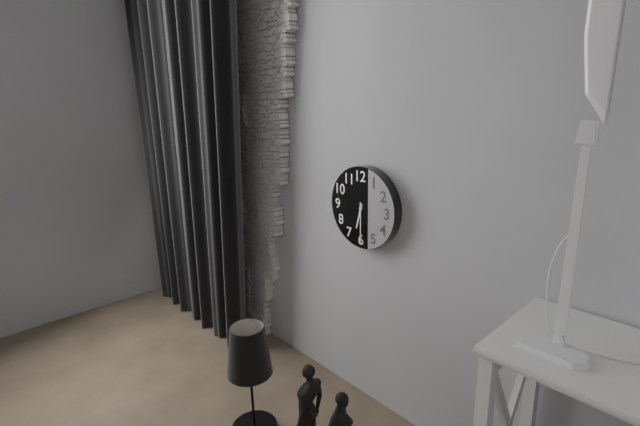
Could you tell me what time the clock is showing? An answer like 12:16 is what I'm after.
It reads 6:30
